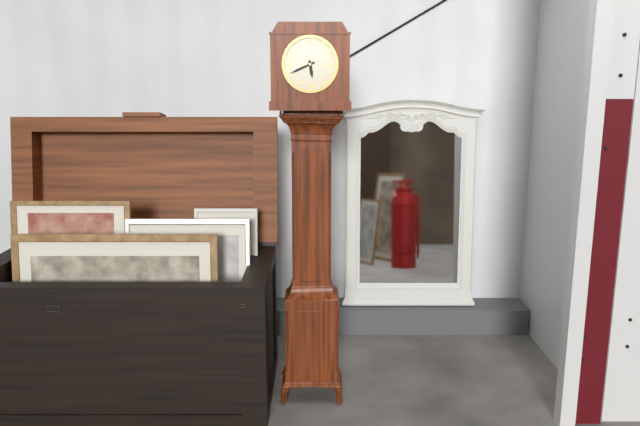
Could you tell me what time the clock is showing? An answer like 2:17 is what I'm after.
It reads 5:41
